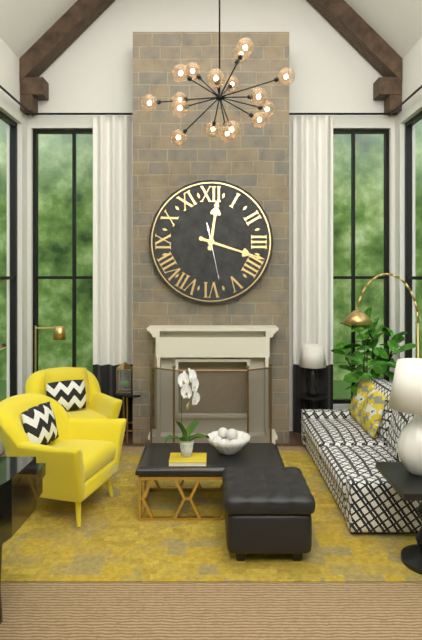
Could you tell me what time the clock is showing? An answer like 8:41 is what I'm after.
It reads 12:18
